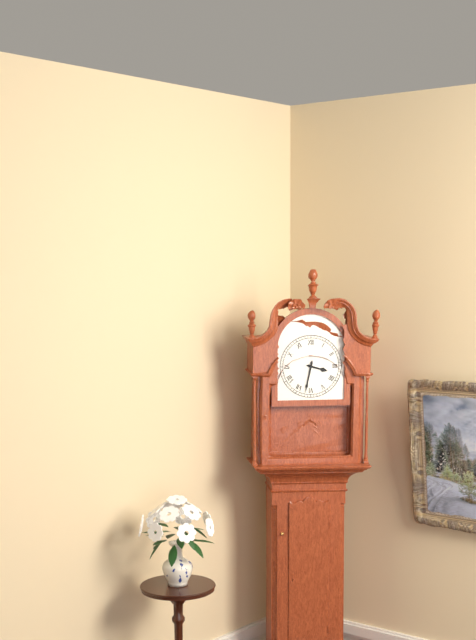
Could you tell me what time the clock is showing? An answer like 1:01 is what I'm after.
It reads 3:32
